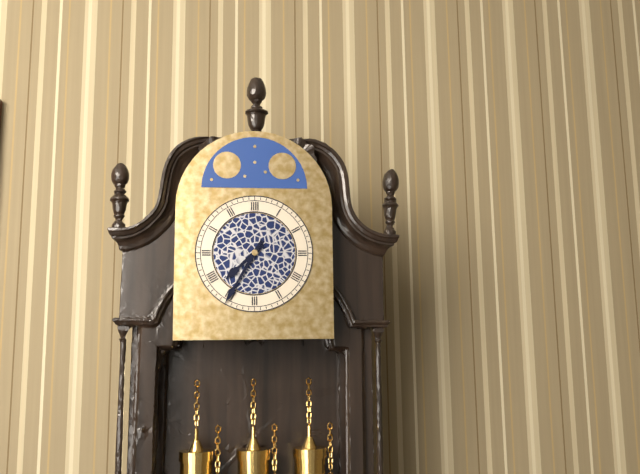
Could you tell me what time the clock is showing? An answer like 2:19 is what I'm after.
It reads 7:35
